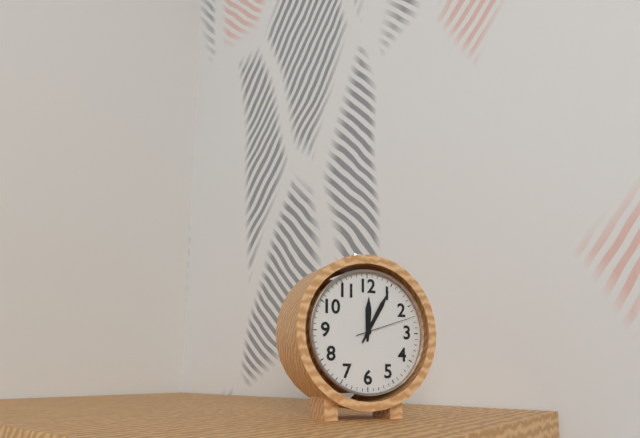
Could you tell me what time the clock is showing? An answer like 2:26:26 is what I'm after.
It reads 12:05:12
